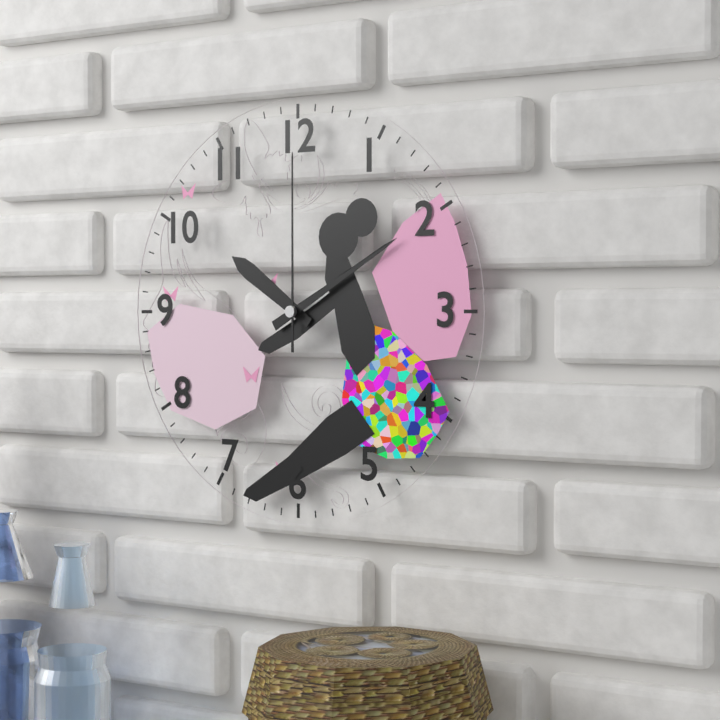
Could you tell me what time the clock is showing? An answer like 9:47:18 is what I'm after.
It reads 10:10:00
